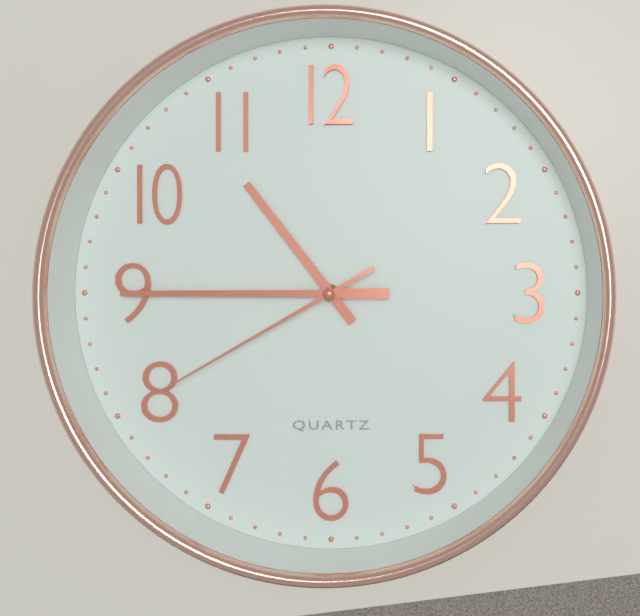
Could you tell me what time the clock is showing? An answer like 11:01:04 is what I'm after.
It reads 10:45:40
